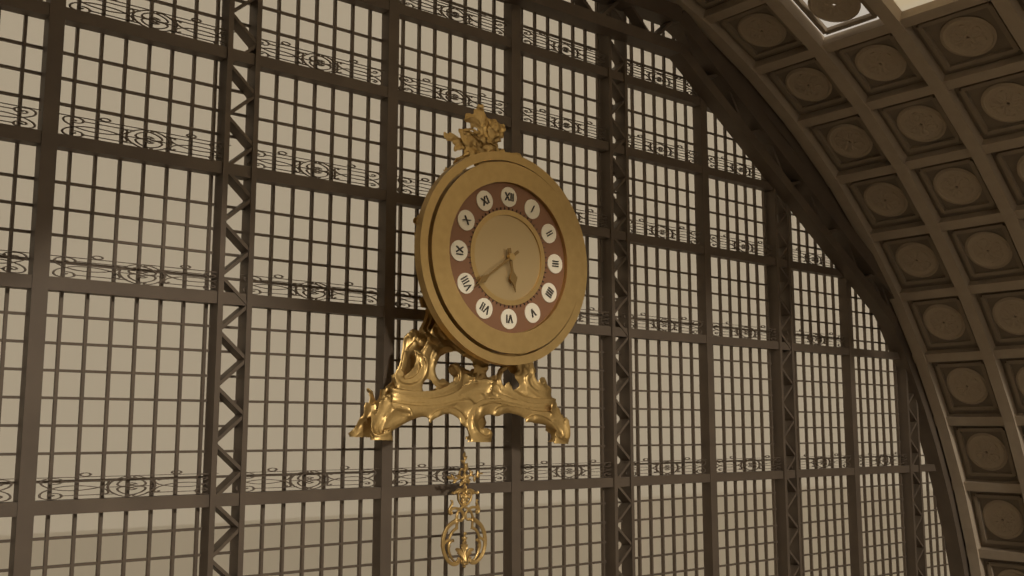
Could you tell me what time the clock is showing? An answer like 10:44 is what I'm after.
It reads 5:39
